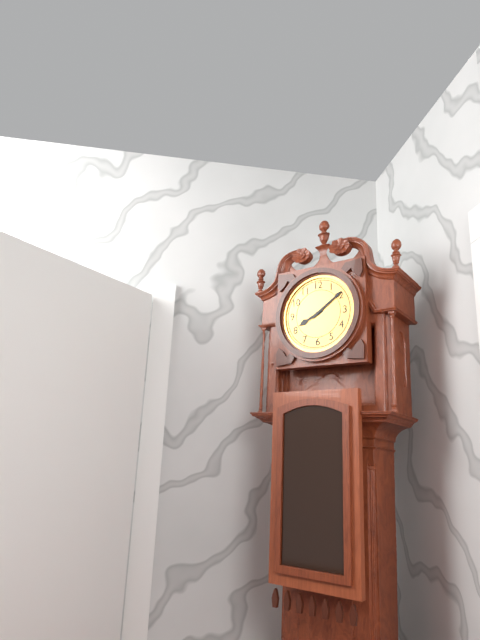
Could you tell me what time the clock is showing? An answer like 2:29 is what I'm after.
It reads 8:09
